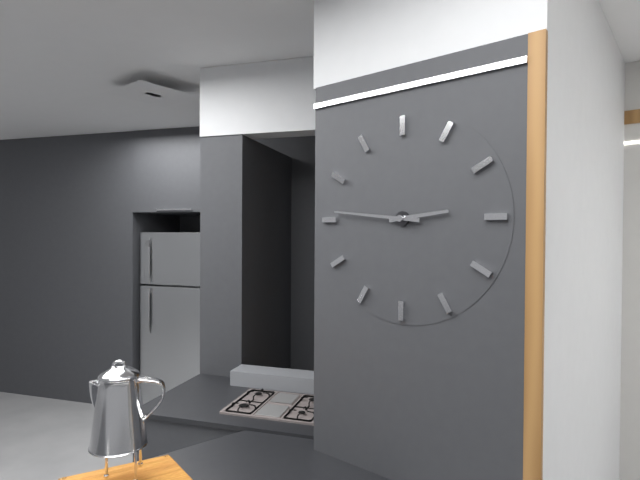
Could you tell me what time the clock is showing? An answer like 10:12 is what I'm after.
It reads 2:46
